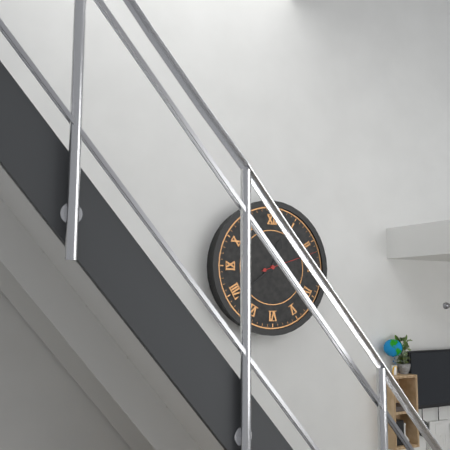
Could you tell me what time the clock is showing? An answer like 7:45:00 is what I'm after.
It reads 12:39:12
